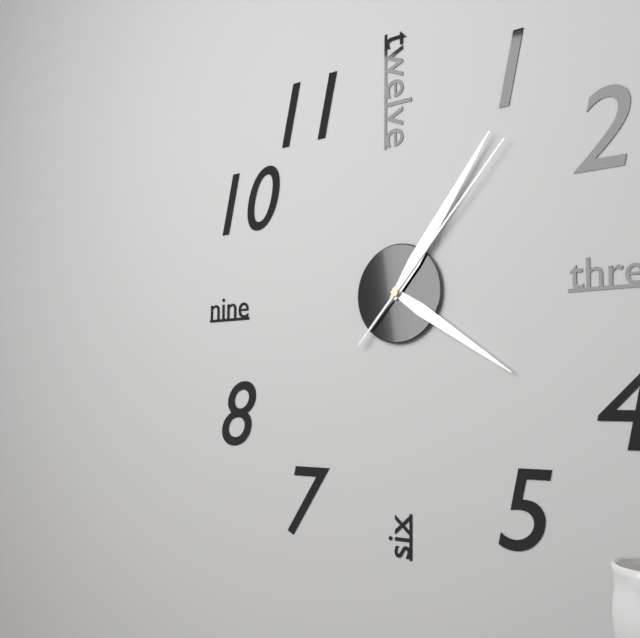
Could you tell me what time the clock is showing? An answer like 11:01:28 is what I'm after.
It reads 4:06:07
